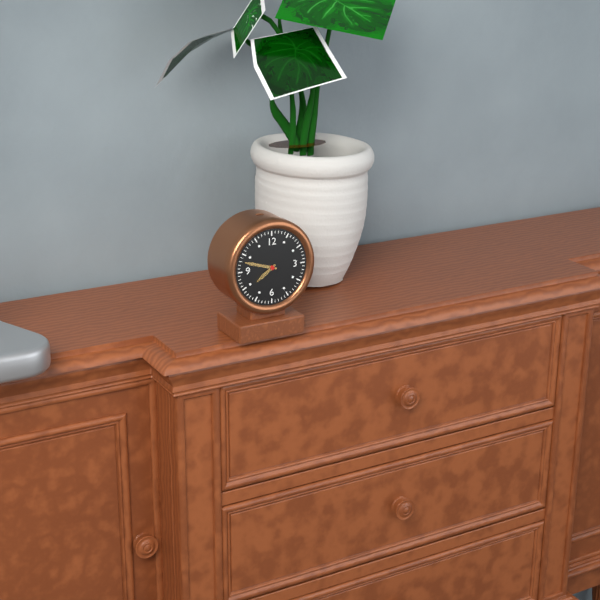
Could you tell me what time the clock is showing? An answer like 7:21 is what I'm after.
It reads 7:48
